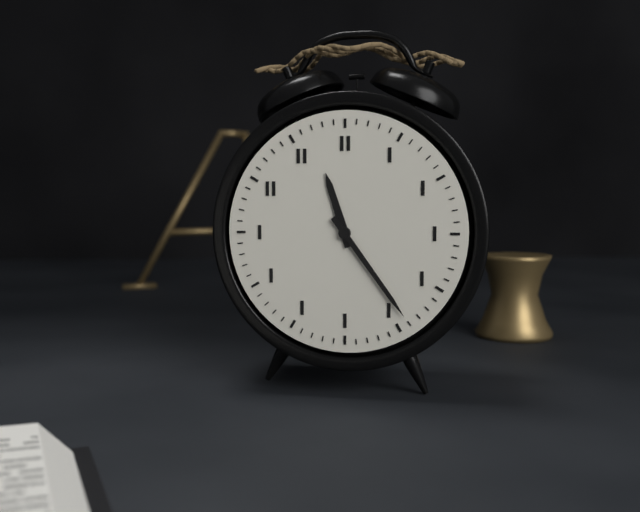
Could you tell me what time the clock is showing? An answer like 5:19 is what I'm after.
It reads 11:24
